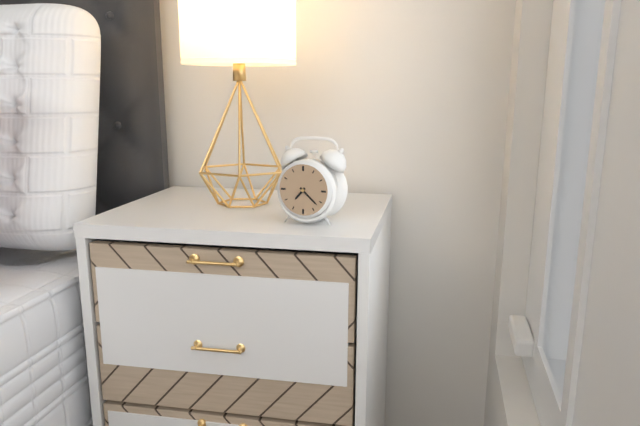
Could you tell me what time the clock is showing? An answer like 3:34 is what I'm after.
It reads 7:22
